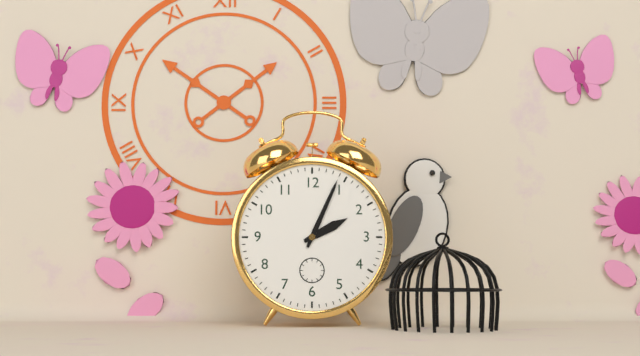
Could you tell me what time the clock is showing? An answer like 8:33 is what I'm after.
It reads 2:04
